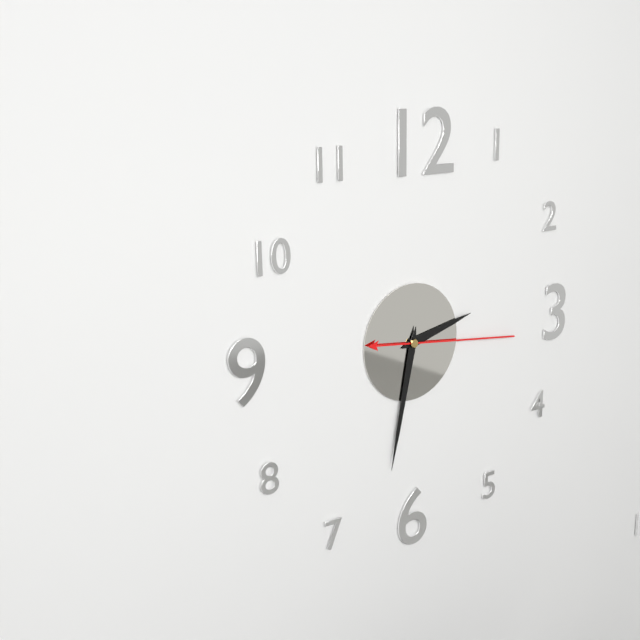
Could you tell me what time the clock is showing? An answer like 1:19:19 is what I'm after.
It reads 2:32:16
